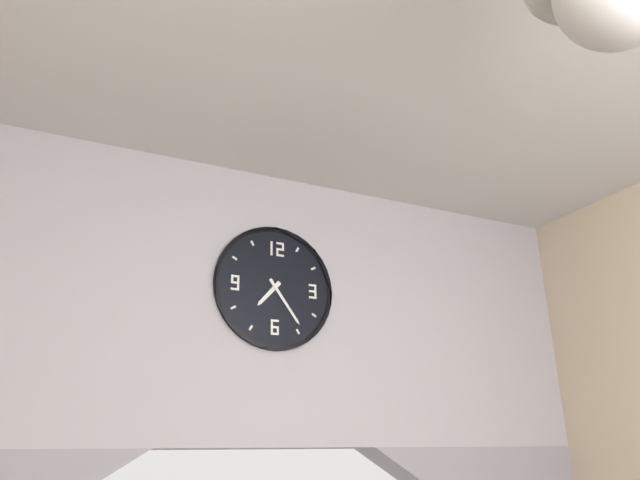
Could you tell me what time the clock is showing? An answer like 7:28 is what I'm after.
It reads 7:24
